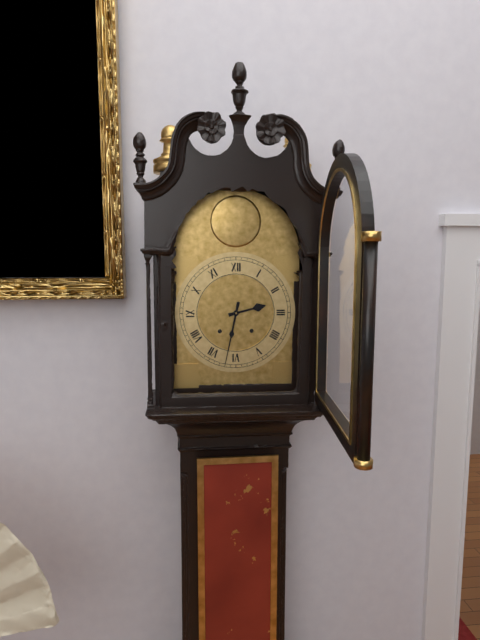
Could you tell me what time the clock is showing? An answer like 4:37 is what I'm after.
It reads 2:32
